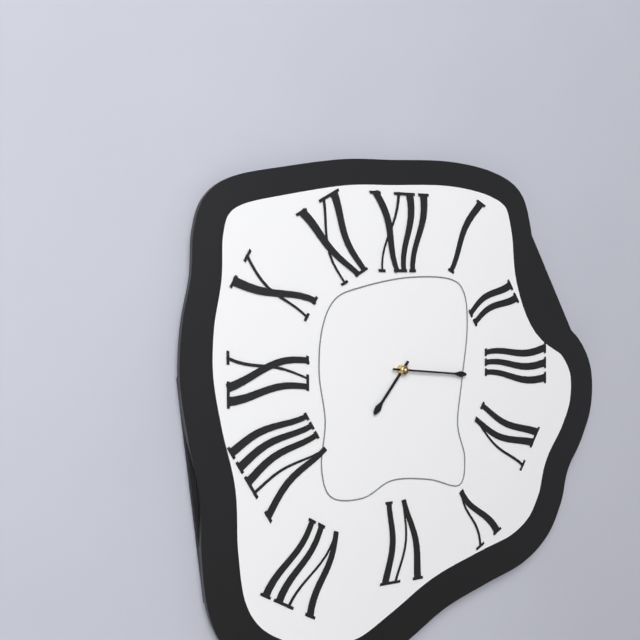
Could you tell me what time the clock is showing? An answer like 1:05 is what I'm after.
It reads 7:16
